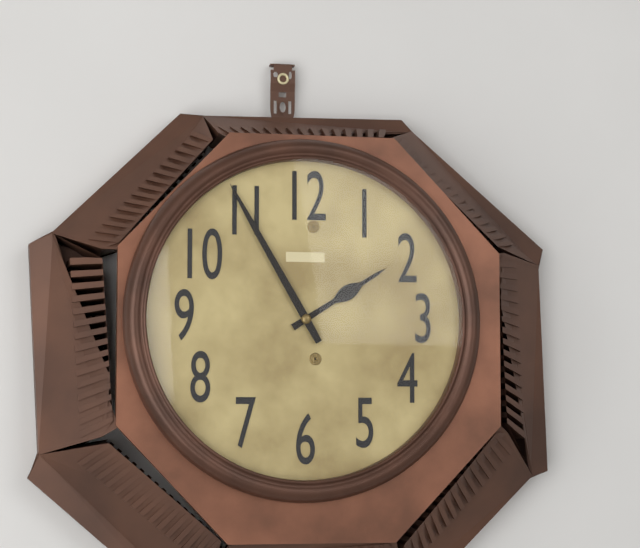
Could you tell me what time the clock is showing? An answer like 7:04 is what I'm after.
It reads 1:55
